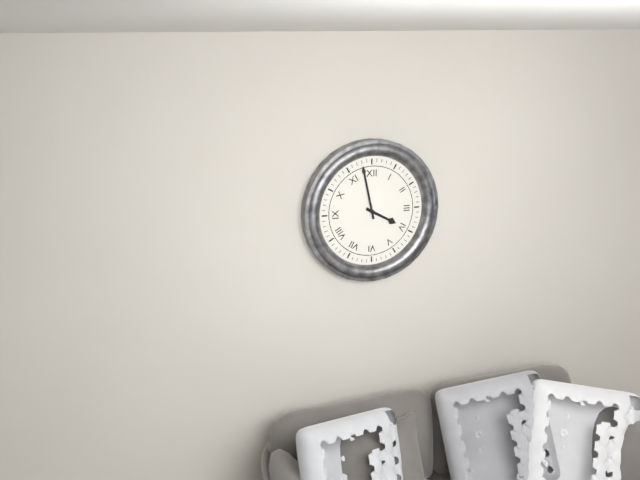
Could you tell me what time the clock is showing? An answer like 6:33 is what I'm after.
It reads 3:58
